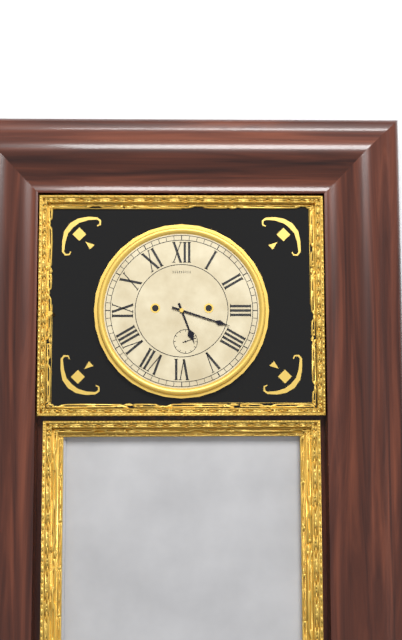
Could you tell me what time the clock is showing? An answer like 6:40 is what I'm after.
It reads 5:18
